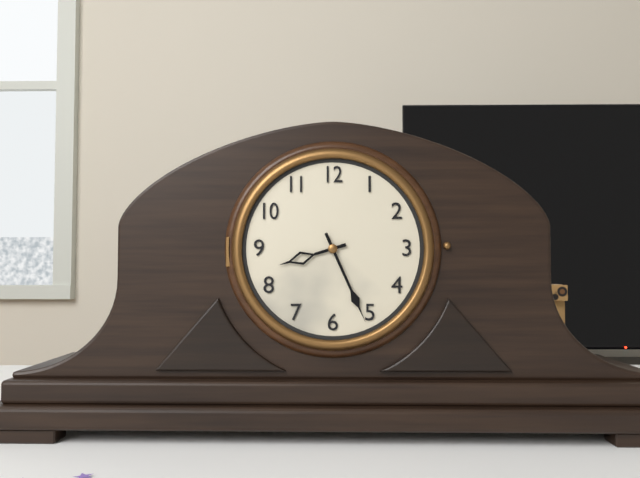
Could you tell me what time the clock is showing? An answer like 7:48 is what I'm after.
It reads 8:26
